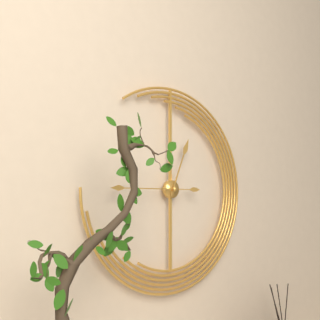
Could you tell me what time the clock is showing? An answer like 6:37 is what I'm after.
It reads 12:45
